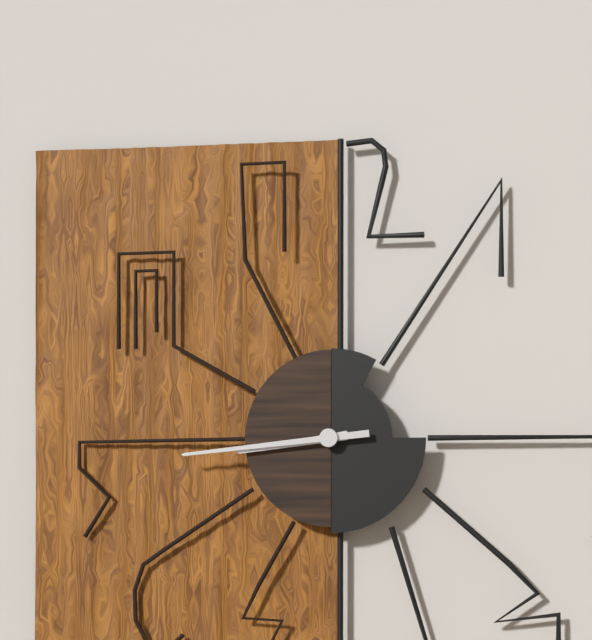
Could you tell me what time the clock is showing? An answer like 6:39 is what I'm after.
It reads 8:44
